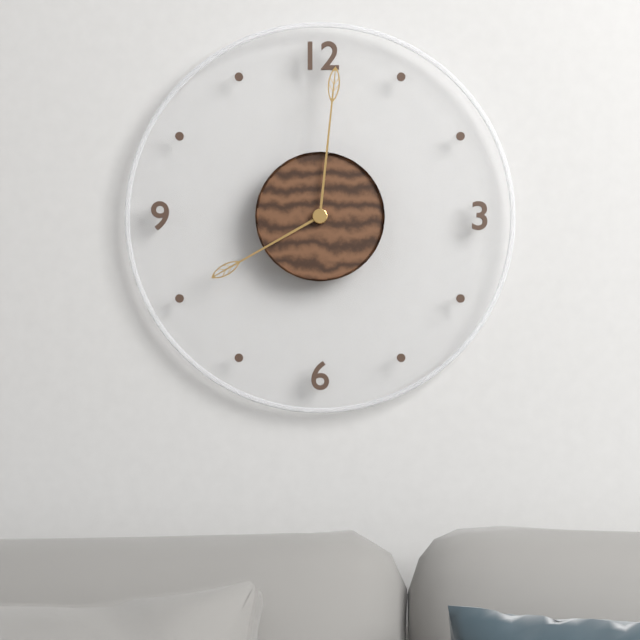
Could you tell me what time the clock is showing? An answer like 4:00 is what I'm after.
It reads 8:01
